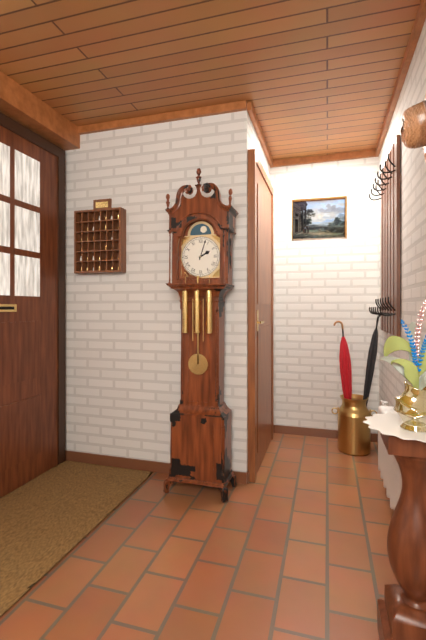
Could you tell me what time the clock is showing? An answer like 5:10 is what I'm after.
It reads 2:03
